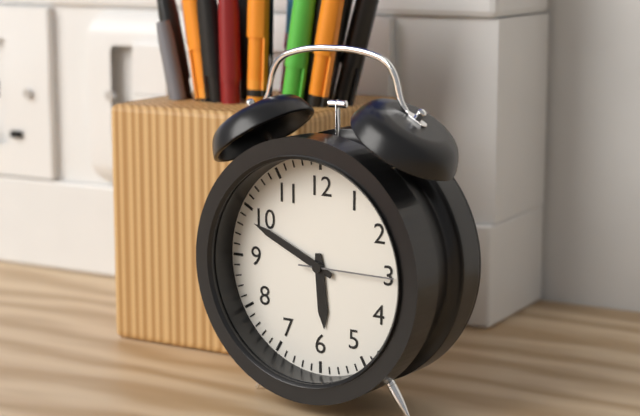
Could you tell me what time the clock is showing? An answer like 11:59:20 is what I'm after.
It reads 5:49:15
